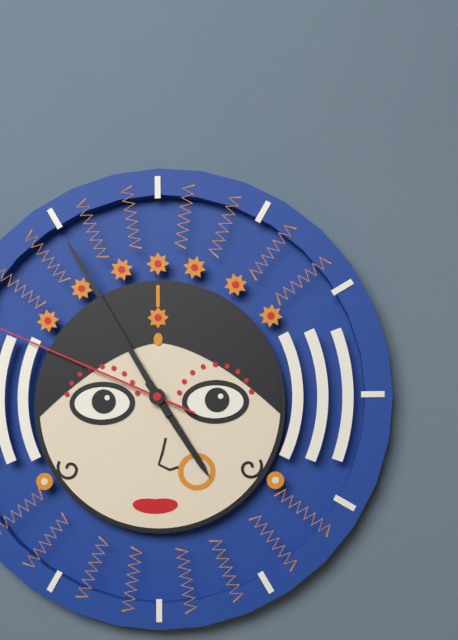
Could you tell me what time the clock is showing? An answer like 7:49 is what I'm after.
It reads 4:55
